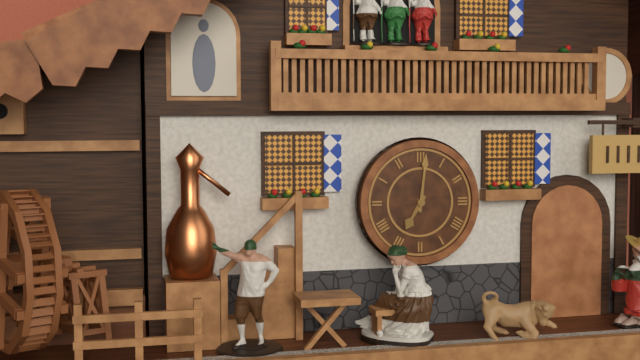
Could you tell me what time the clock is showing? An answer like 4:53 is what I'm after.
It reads 7:01
